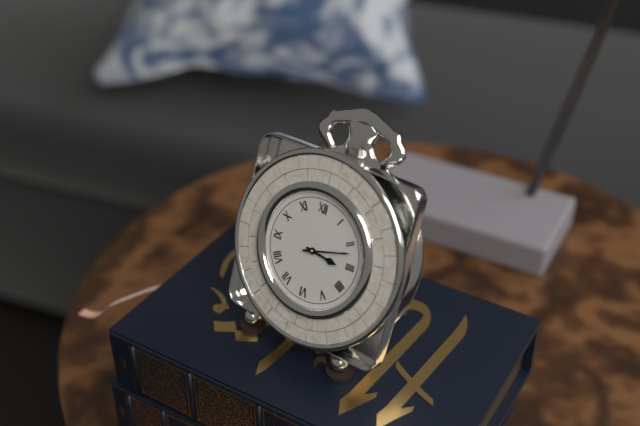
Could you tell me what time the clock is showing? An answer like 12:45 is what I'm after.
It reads 3:12
